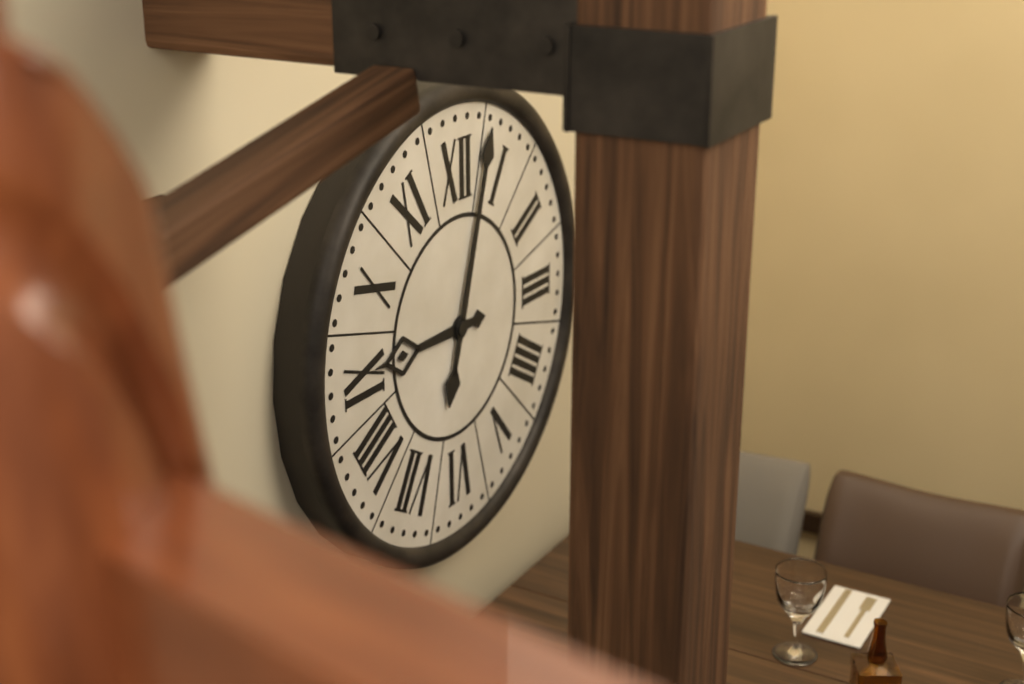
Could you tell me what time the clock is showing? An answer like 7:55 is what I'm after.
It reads 9:03
